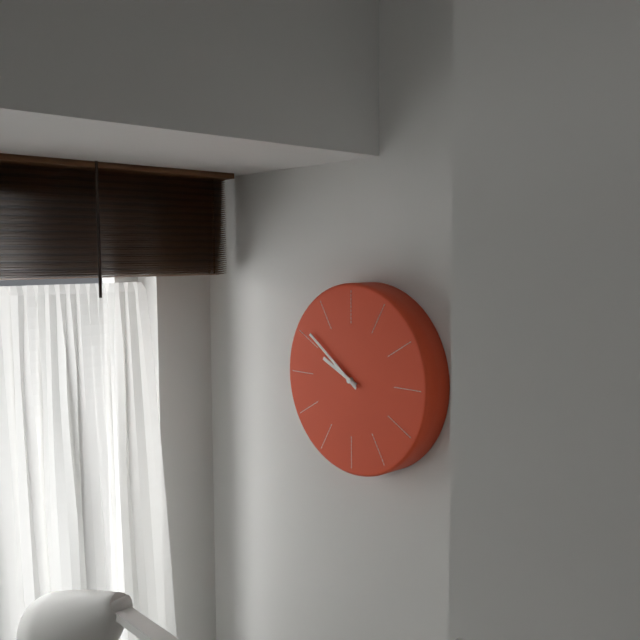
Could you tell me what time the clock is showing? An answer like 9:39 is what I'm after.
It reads 9:51
